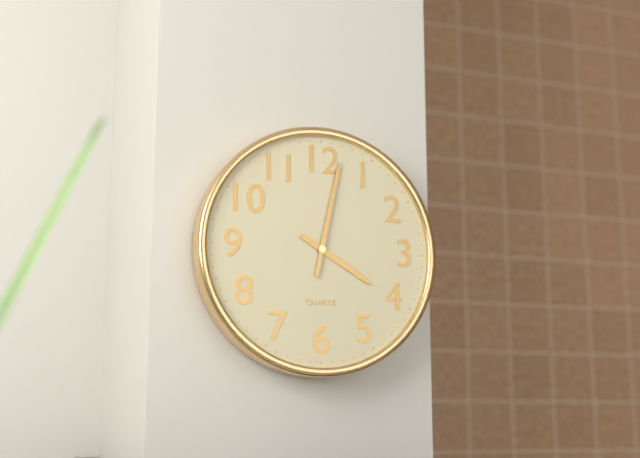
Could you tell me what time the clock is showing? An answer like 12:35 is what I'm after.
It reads 4:02
